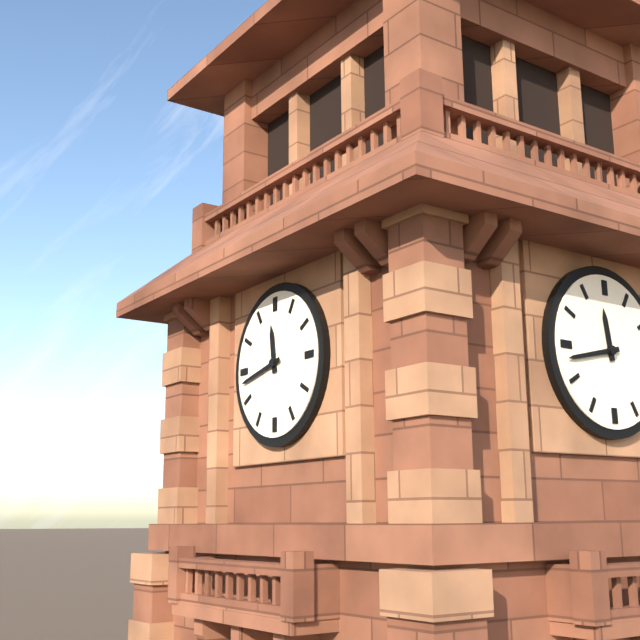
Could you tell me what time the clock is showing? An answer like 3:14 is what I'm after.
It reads 11:43
